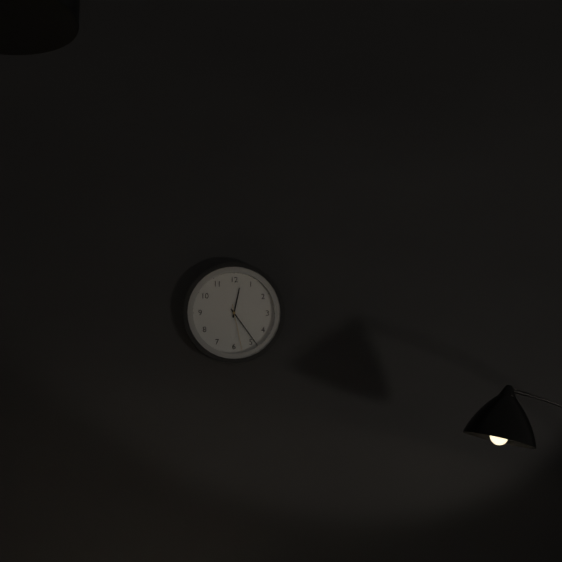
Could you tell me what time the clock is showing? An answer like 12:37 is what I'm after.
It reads 12:24
